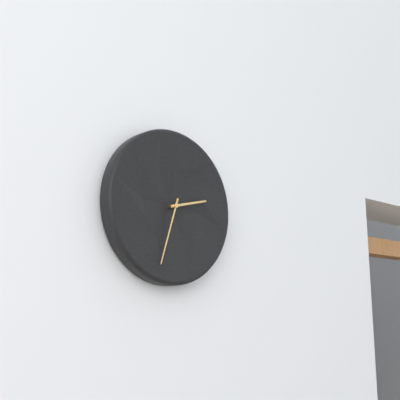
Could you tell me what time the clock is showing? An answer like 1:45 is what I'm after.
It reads 2:33
